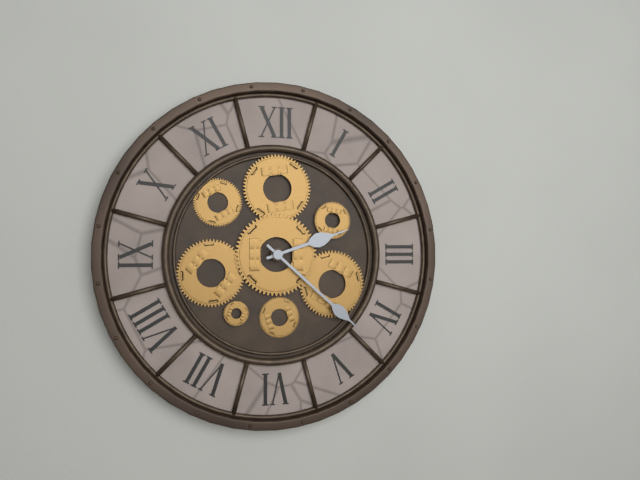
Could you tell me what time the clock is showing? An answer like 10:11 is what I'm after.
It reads 2:22
